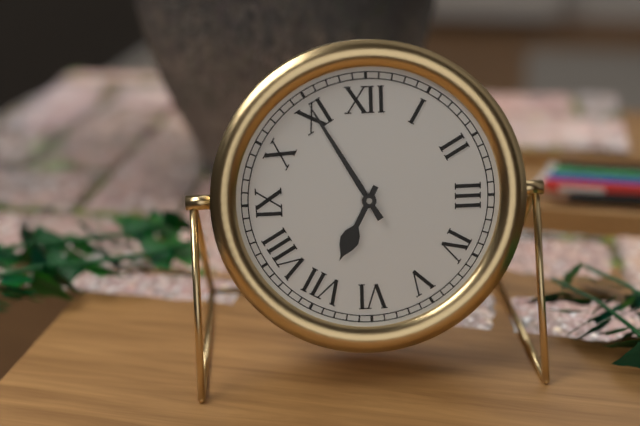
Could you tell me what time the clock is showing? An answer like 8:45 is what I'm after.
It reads 6:55
